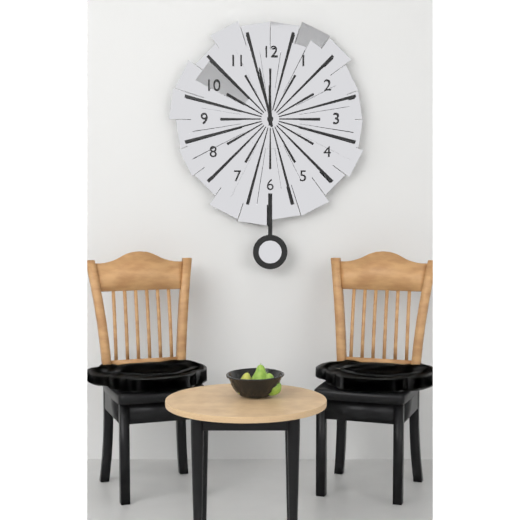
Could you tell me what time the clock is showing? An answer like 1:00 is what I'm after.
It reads 11:58
